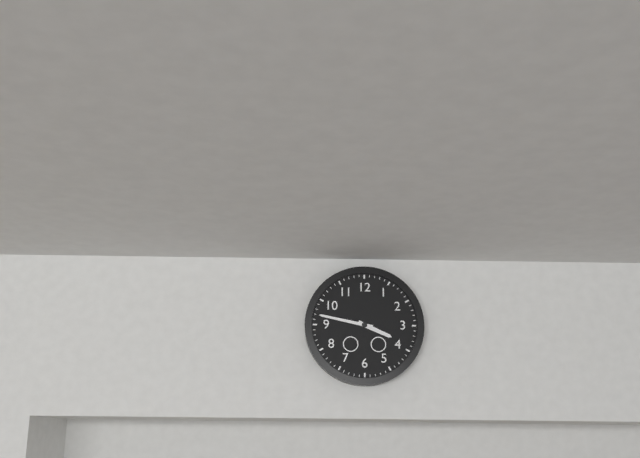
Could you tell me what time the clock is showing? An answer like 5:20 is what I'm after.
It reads 3:47
